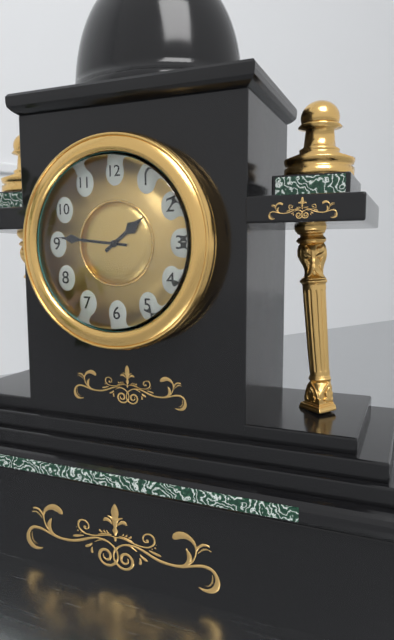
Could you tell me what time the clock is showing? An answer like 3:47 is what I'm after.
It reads 1:46
